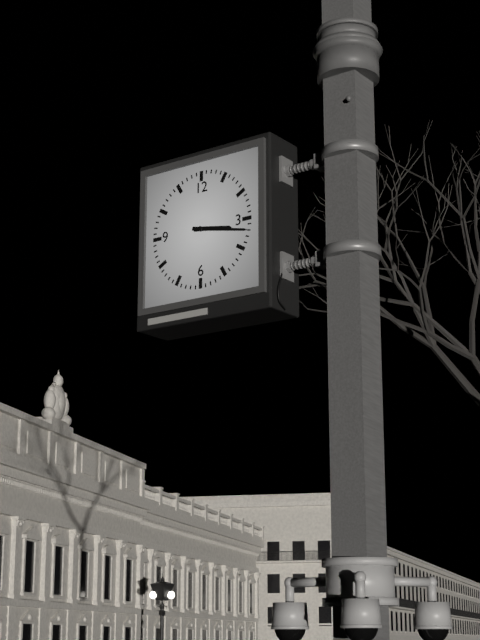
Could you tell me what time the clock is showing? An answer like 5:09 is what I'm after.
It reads 3:17
